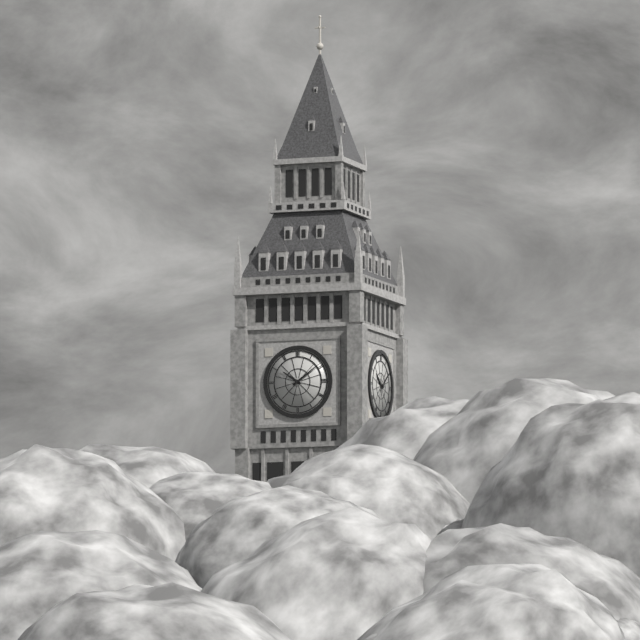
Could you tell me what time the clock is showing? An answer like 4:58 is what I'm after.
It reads 10:09
